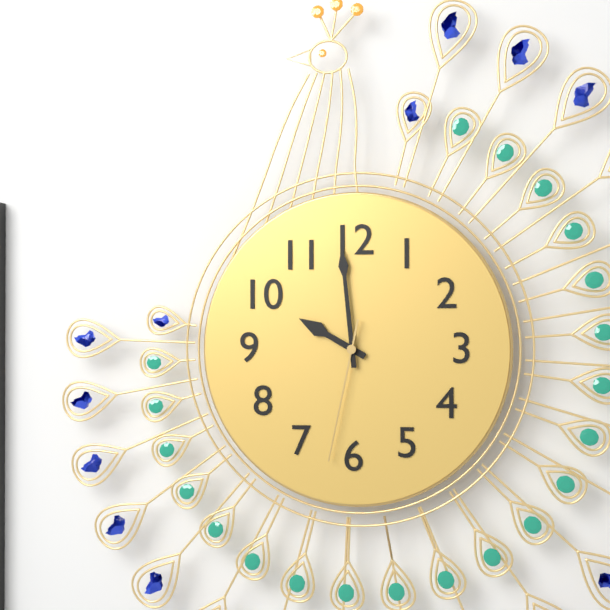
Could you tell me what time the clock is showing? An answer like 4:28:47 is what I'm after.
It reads 9:59:32
